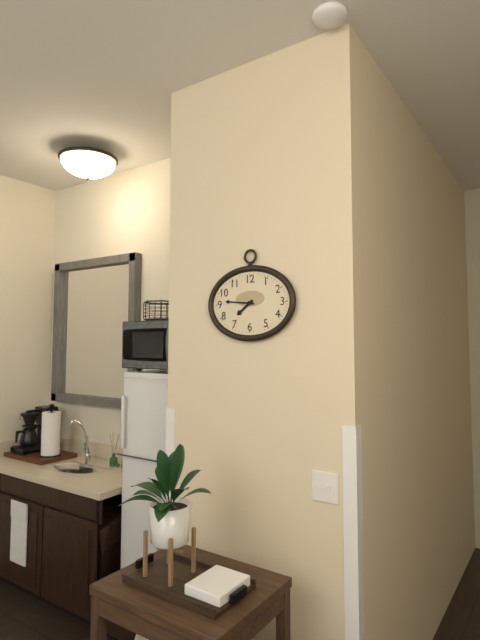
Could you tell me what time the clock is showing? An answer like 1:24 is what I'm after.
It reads 7:46
